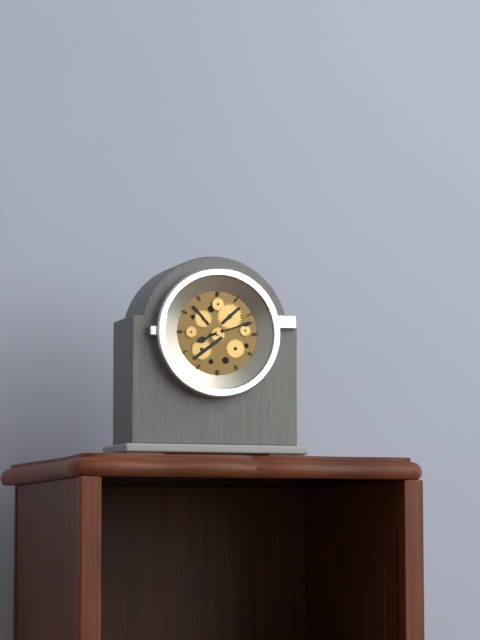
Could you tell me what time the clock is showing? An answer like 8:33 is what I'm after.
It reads 8:12
